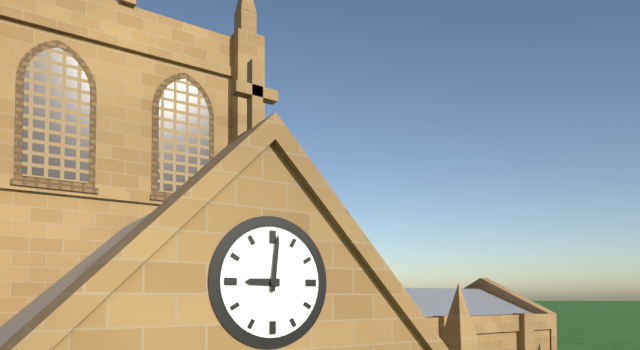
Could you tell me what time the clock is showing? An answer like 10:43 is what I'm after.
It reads 9:01
